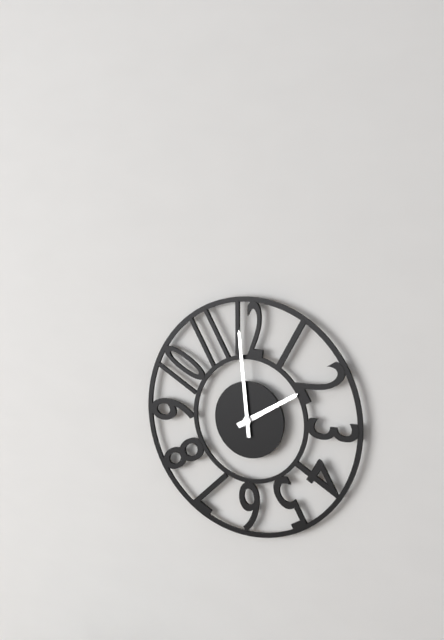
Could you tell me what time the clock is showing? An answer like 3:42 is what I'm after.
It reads 1:59
